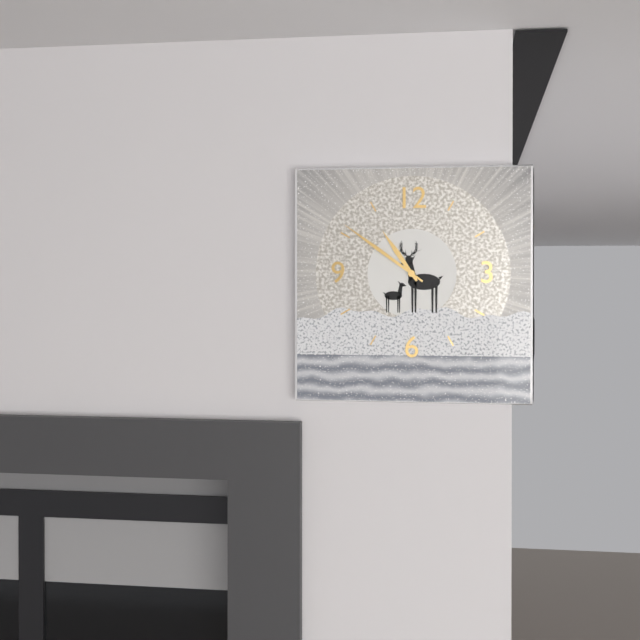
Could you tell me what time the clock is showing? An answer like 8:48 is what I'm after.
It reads 10:51
